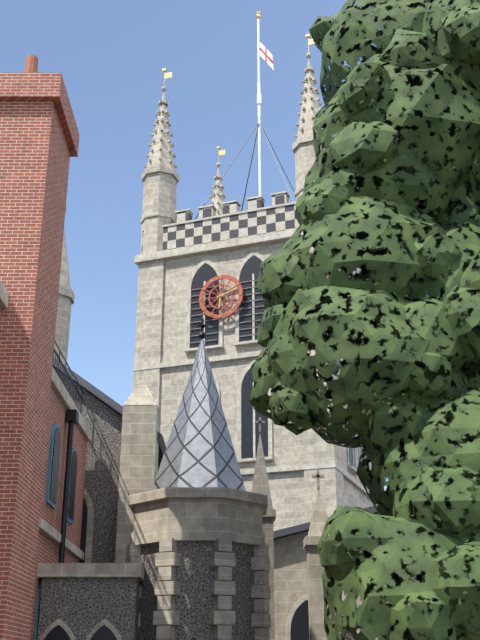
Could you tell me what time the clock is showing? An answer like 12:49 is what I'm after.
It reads 6:12
